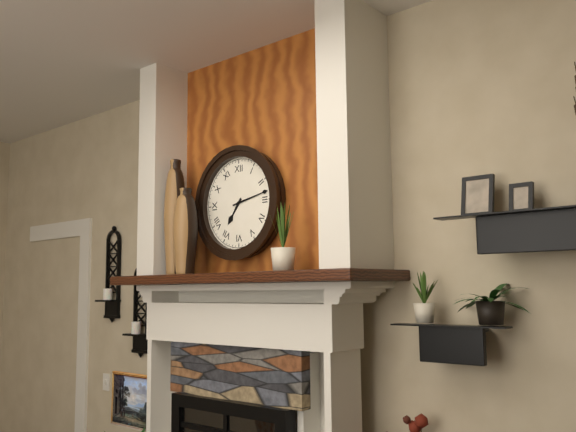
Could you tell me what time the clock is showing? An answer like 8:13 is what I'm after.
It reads 7:13
